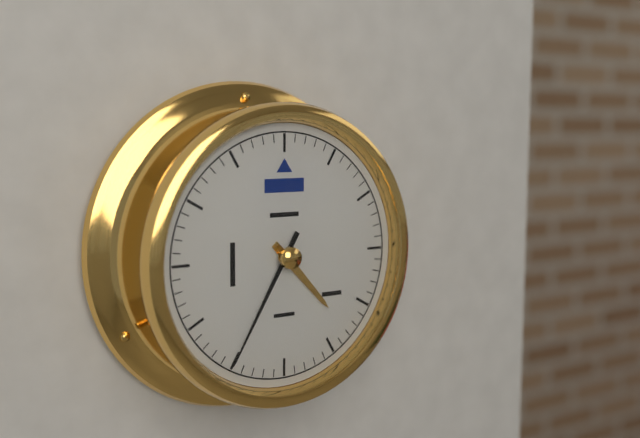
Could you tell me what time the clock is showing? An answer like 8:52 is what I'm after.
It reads 4:35
